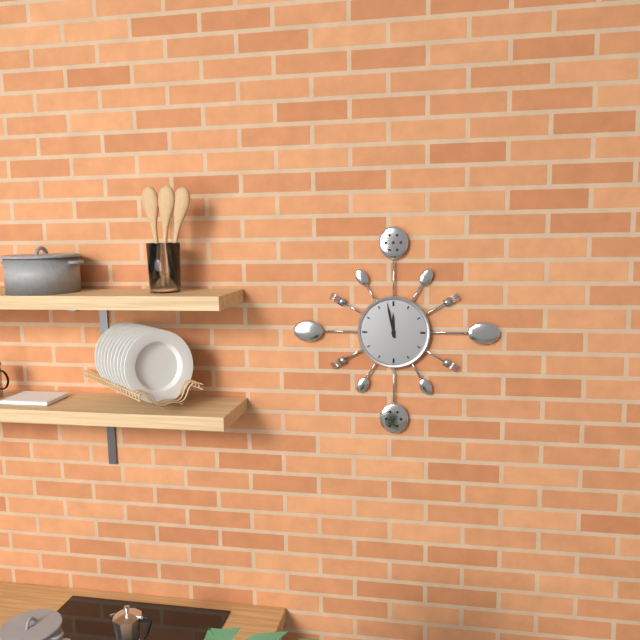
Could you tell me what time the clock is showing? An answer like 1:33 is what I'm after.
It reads 11:58
